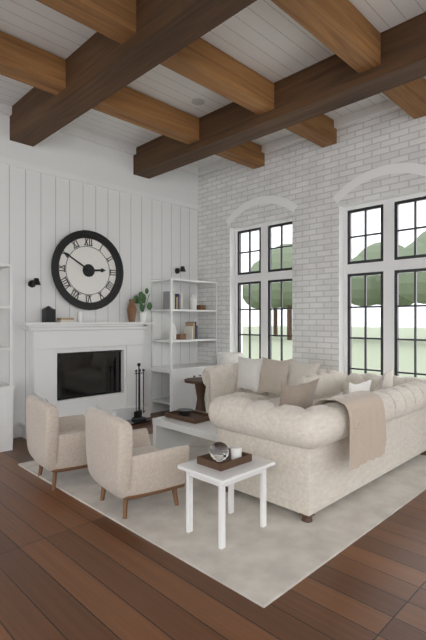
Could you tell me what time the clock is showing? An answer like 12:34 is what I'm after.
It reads 2:50
